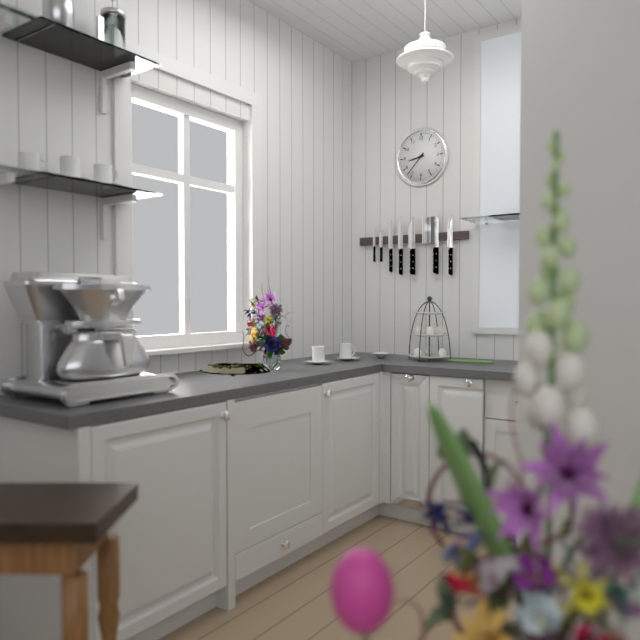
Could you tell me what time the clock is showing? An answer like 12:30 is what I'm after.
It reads 8:37
